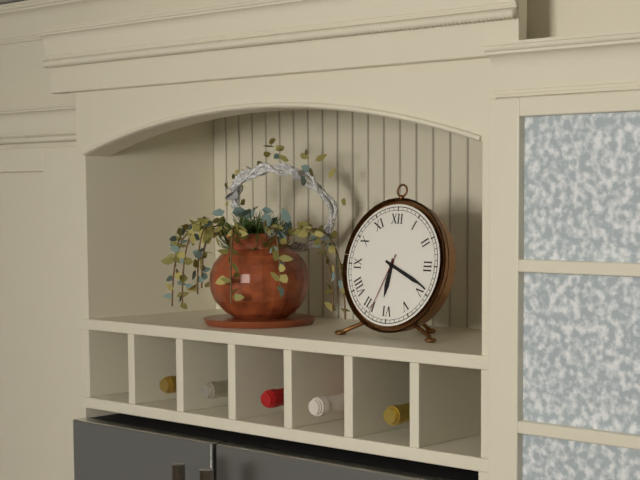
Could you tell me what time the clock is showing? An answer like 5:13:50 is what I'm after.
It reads 6:19:34
